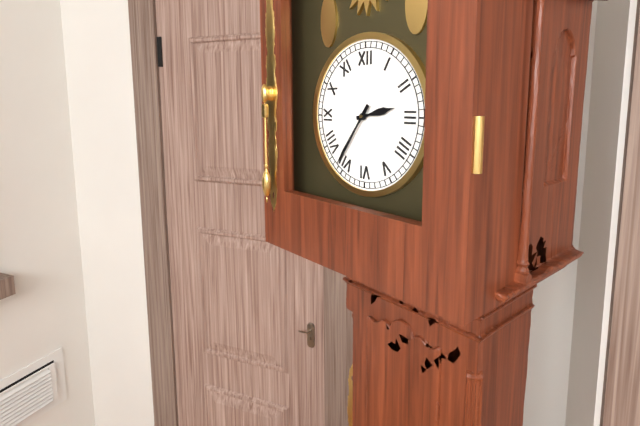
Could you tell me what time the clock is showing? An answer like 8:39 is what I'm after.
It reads 2:36
